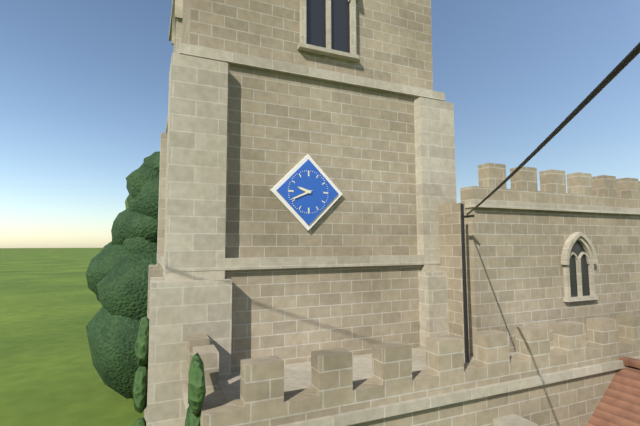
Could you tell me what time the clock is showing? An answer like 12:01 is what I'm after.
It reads 9:41
